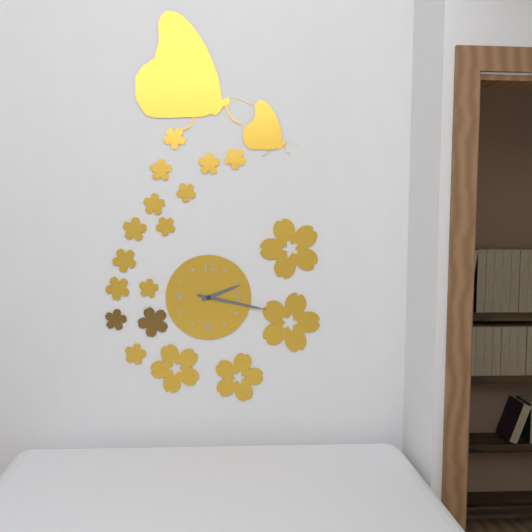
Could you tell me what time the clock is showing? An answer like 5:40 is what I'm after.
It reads 2:17
